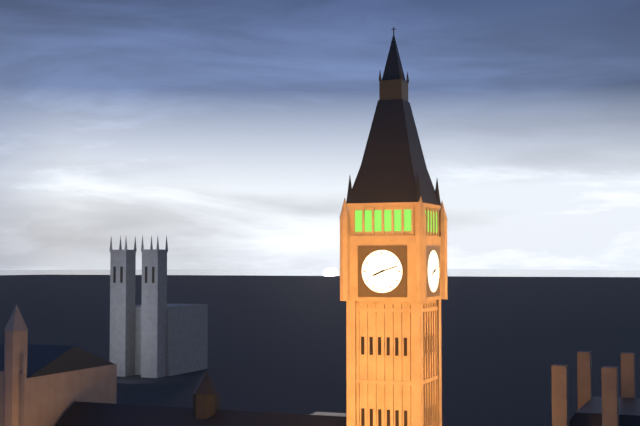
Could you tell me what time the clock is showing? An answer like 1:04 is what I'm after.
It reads 8:12
